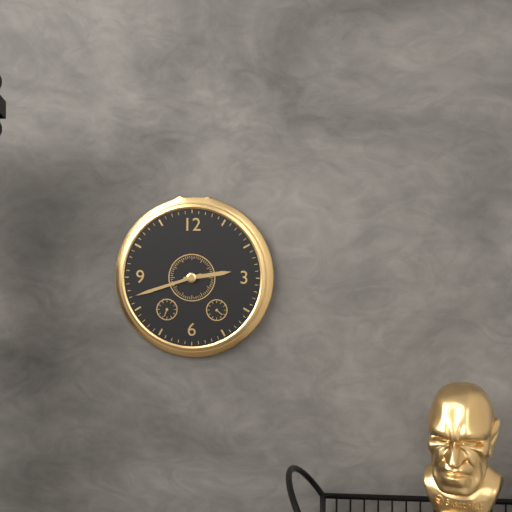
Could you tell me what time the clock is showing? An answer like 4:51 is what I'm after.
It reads 2:42
